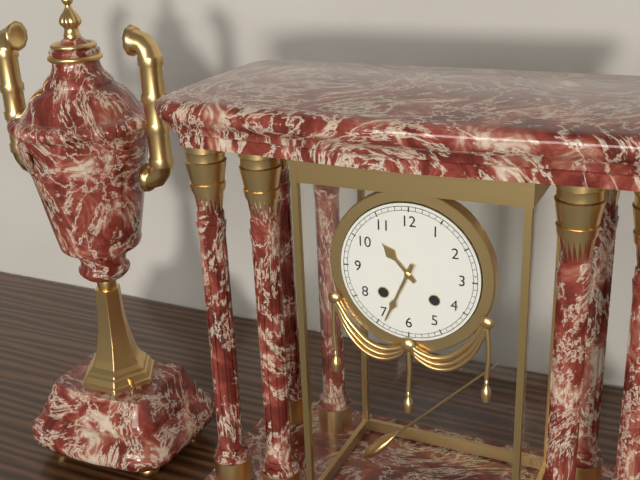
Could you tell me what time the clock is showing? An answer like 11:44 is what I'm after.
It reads 10:34
